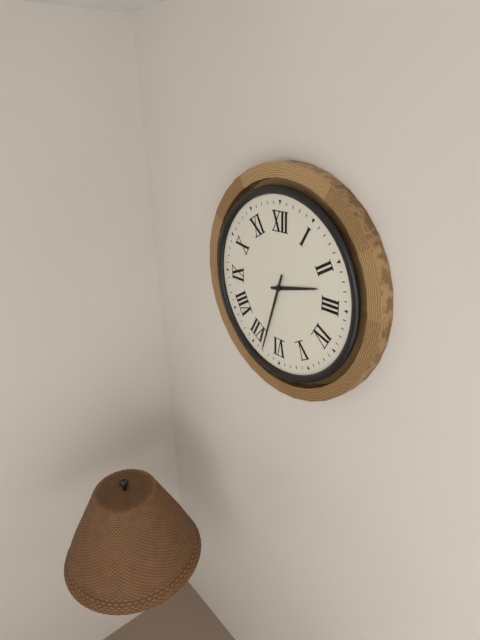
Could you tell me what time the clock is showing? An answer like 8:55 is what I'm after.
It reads 2:33
